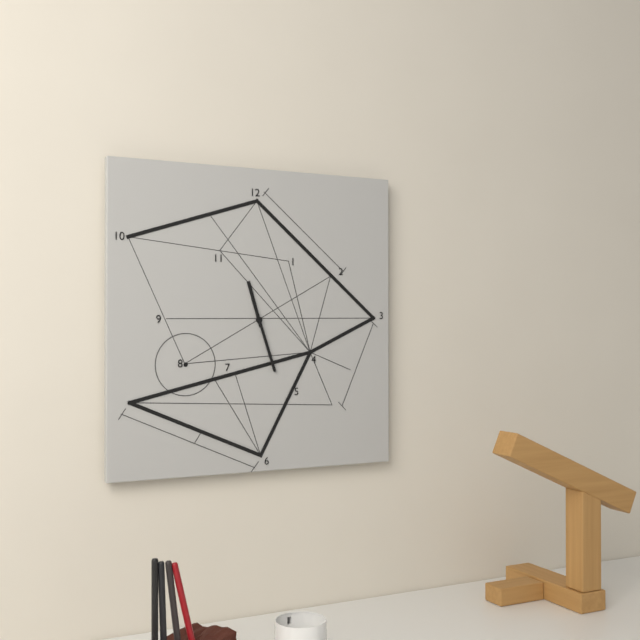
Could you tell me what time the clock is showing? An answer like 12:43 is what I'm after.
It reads 11:27
